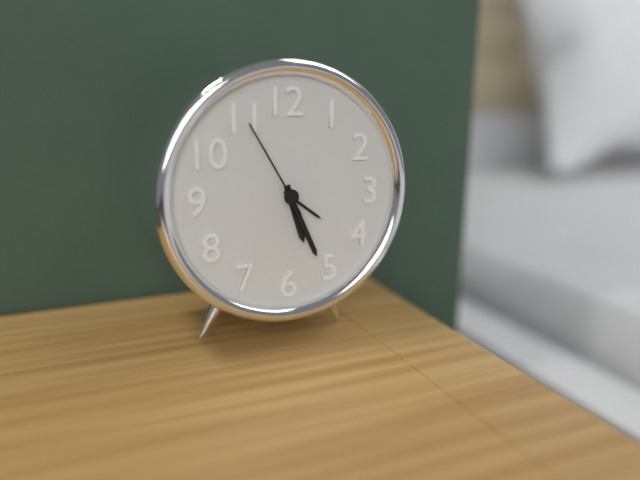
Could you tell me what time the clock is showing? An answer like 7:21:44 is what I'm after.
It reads 5:26:55
